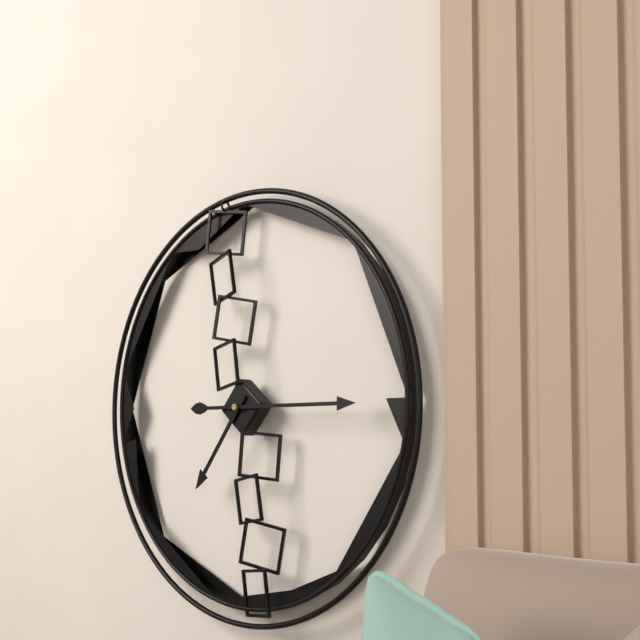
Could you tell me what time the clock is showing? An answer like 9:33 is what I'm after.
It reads 7:15
